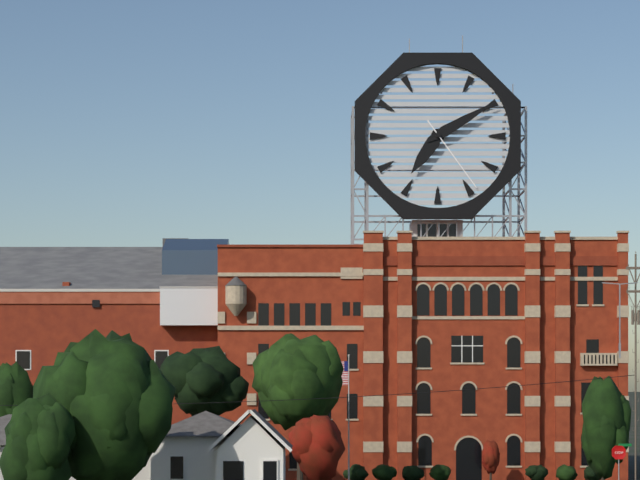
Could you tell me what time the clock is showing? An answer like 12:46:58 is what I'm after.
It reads 7:10:24
